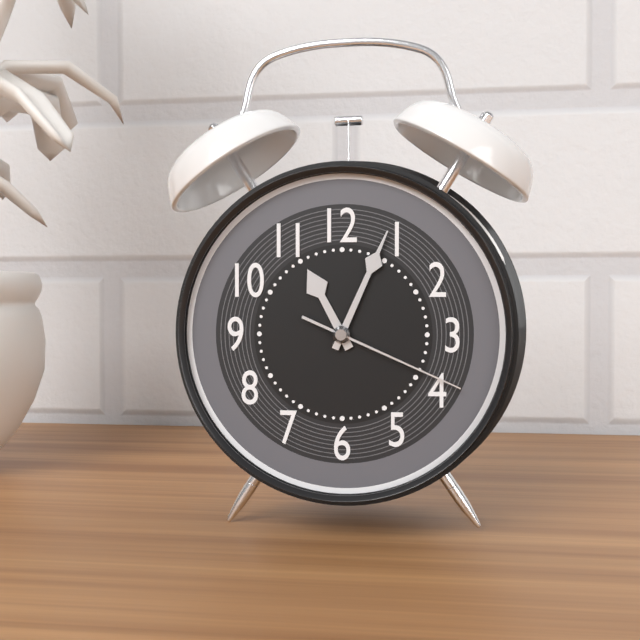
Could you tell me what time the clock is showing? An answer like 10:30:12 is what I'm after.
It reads 11:04:19
